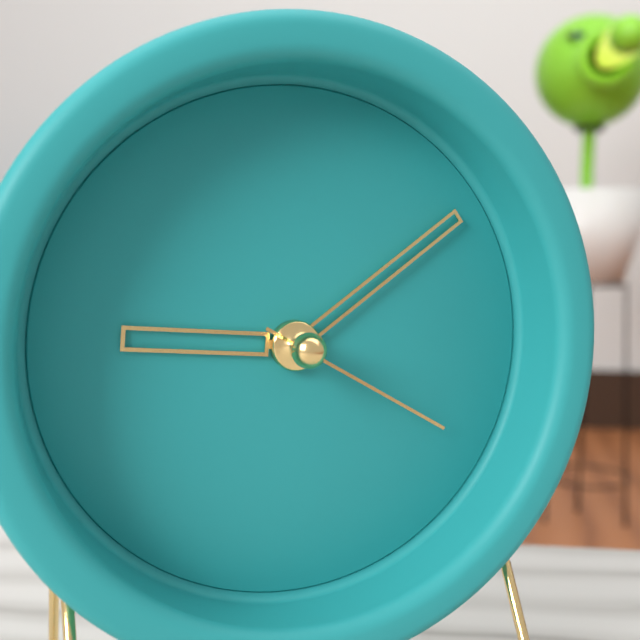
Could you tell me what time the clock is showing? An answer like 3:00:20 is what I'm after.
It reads 9:09:20
